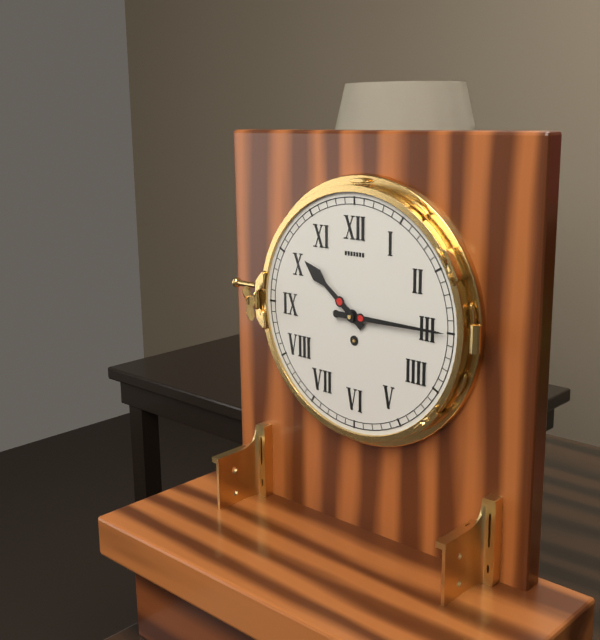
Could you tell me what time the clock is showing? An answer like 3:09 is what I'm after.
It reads 10:15
